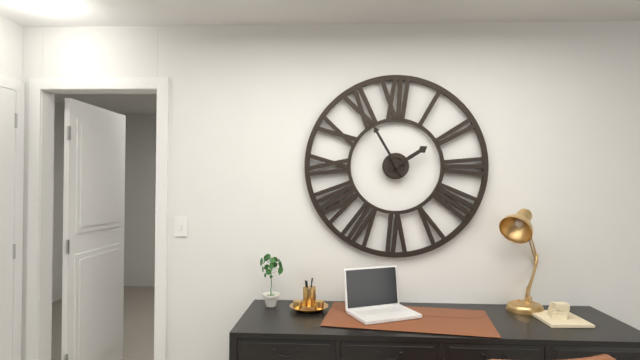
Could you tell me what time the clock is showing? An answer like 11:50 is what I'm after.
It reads 1:55
